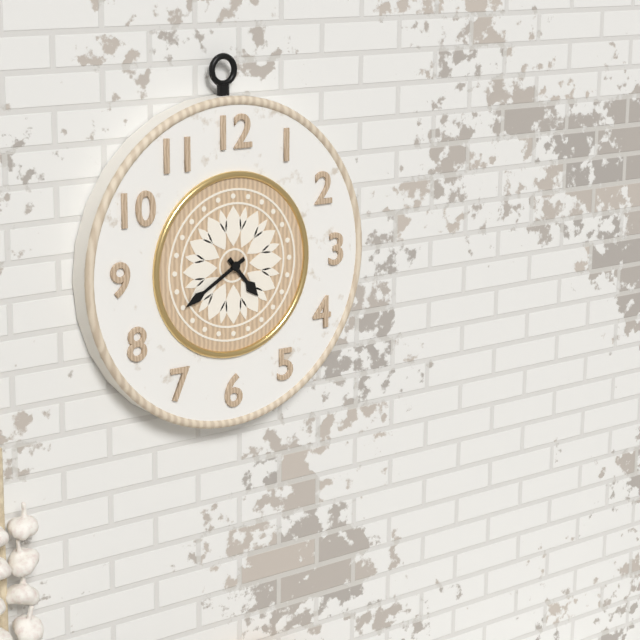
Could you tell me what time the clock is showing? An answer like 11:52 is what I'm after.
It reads 4:40
